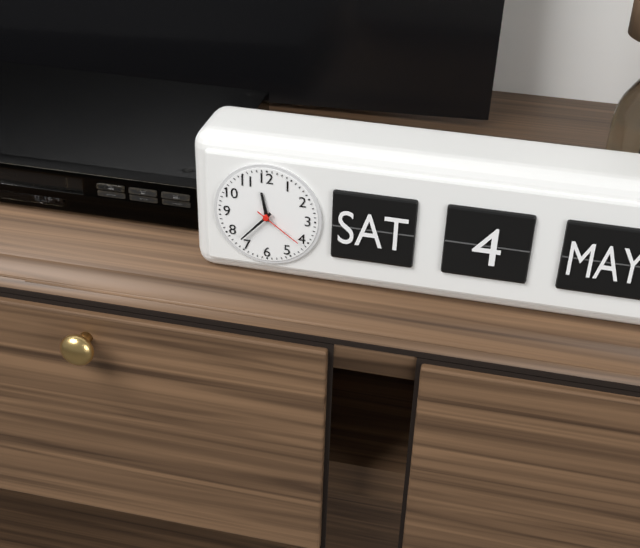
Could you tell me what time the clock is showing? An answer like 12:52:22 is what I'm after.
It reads 11:37:21
